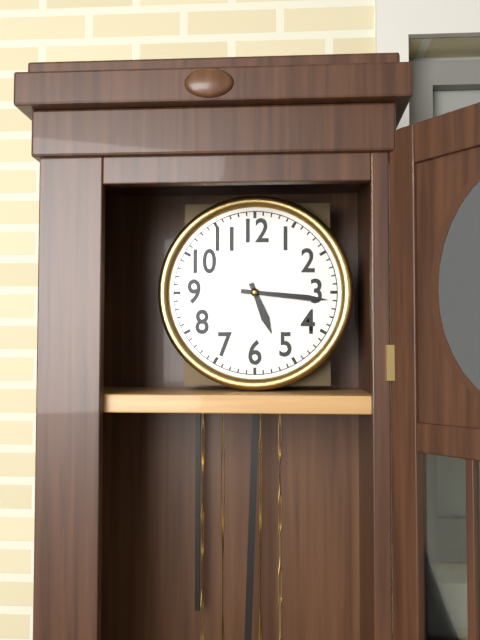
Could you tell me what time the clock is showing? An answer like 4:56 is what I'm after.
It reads 5:16
